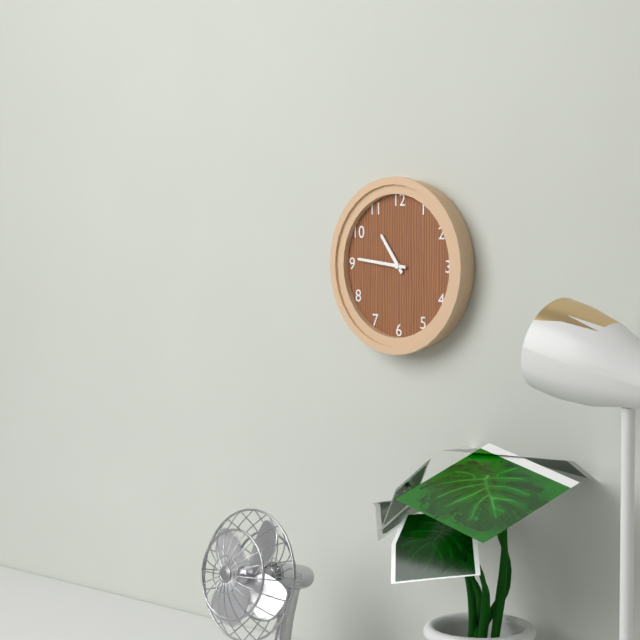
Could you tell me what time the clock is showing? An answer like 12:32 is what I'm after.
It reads 10:46
